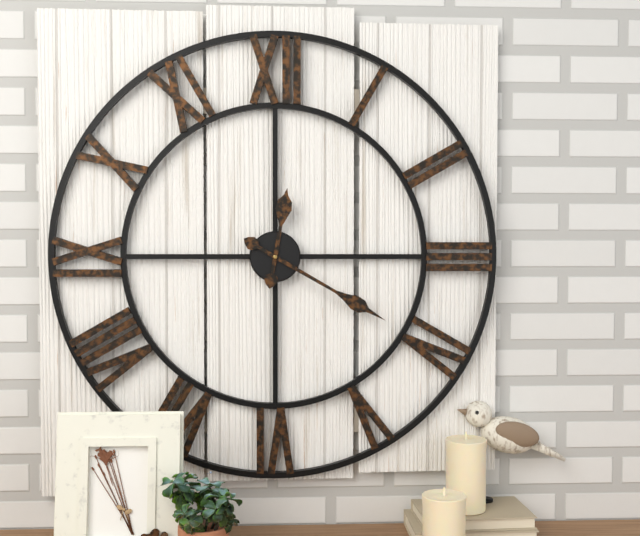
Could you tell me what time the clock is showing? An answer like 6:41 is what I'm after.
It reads 12:20
